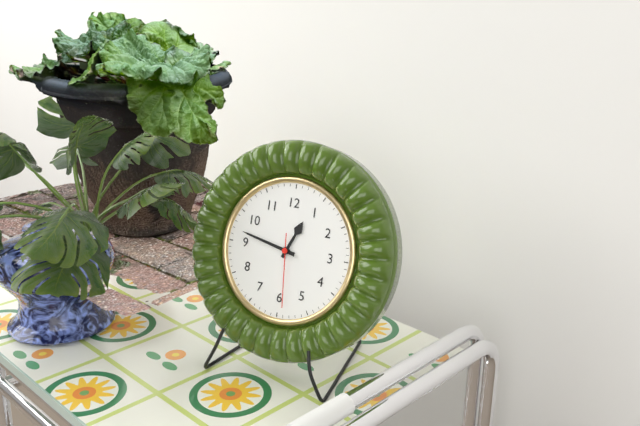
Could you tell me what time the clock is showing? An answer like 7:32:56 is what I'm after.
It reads 12:47:29
